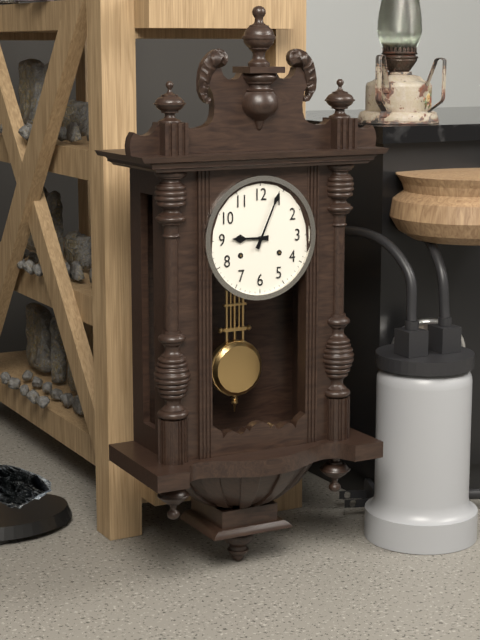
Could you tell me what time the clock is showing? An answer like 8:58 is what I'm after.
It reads 9:04
